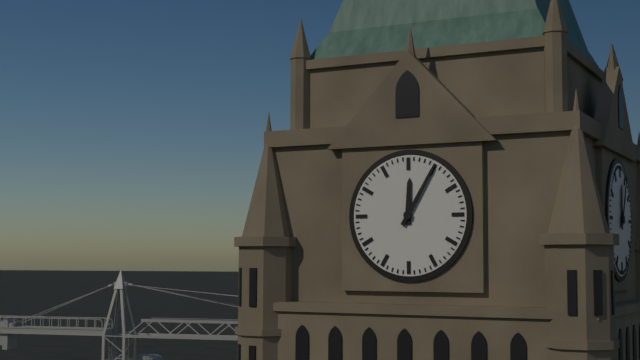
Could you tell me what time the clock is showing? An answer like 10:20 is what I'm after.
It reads 12:05
